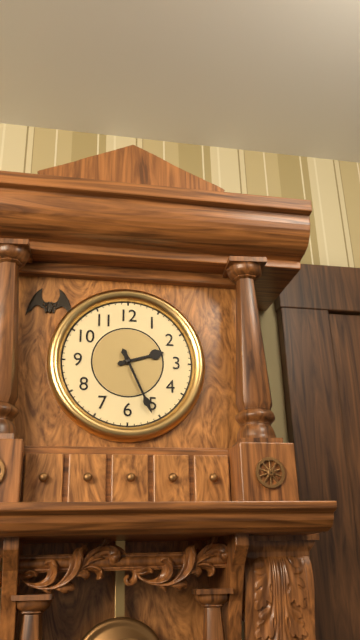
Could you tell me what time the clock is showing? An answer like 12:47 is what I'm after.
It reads 2:26
